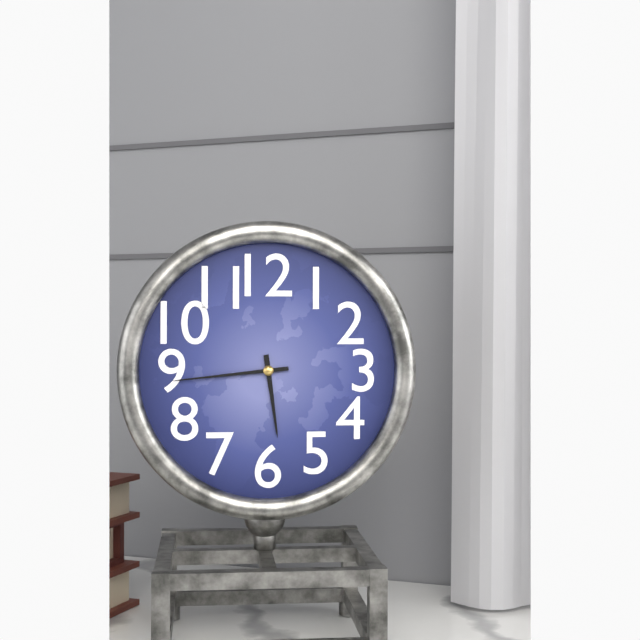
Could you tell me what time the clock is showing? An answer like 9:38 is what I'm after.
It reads 5:44
